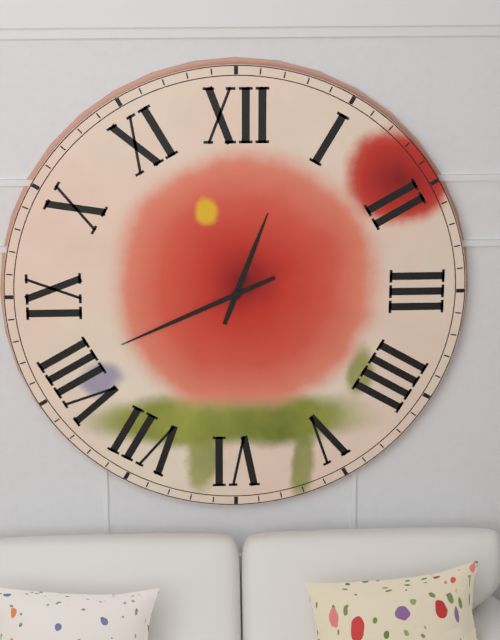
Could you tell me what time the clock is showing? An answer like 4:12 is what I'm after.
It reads 12:41
